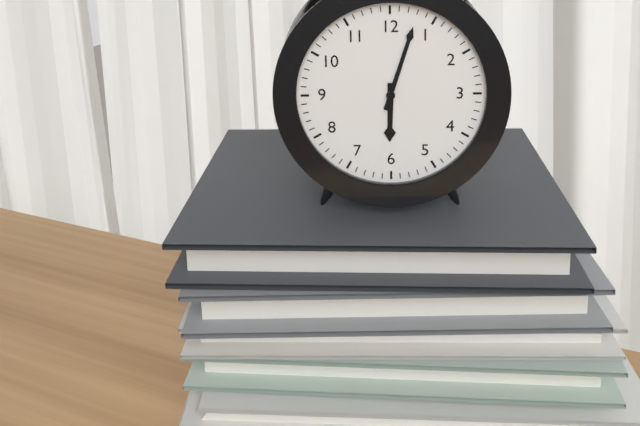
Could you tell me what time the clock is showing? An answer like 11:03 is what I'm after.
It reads 6:03
